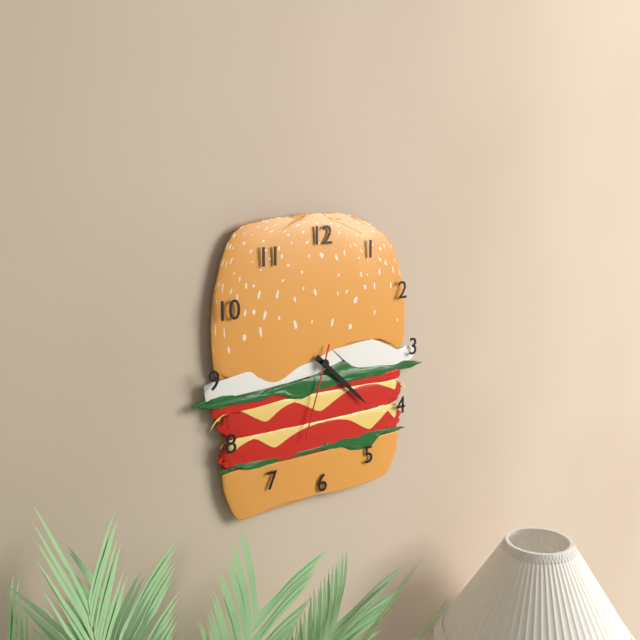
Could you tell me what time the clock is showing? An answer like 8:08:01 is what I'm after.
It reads 4:22:33
